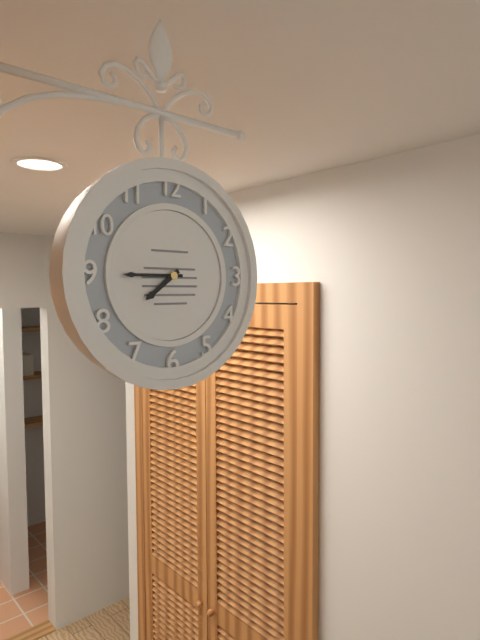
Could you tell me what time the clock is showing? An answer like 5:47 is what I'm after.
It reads 7:45
